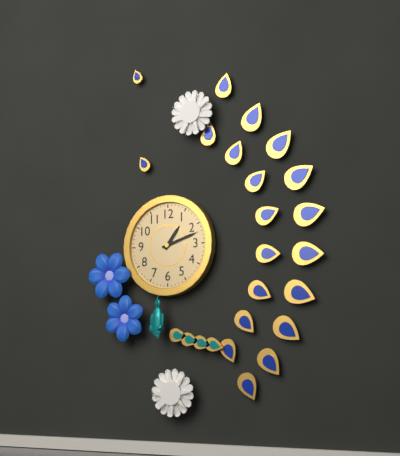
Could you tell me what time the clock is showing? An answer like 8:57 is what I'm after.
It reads 1:12
